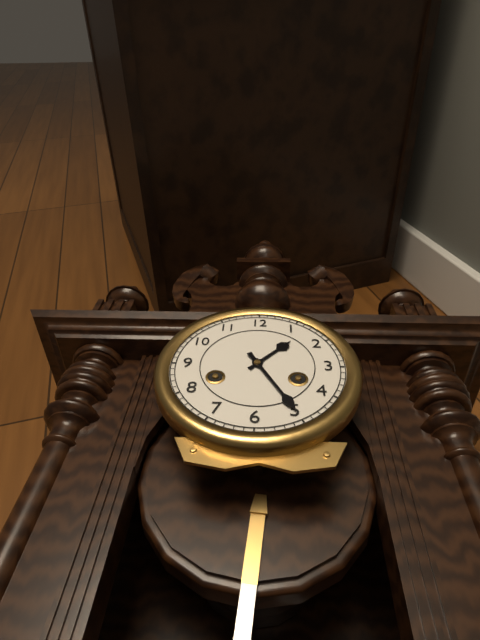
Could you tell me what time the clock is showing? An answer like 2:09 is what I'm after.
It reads 1:25
